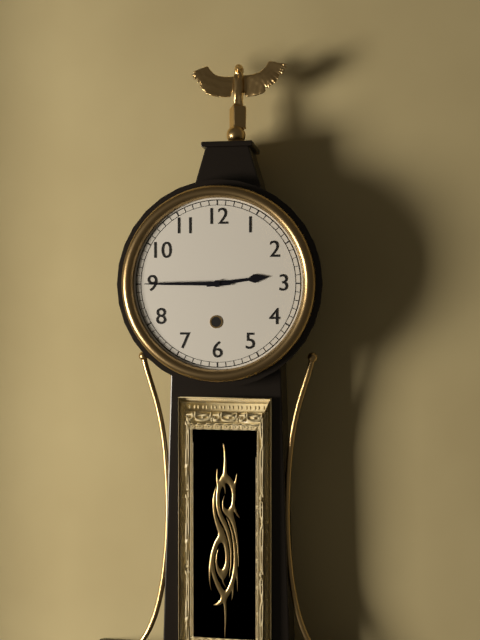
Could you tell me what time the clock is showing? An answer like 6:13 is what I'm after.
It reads 2:45
